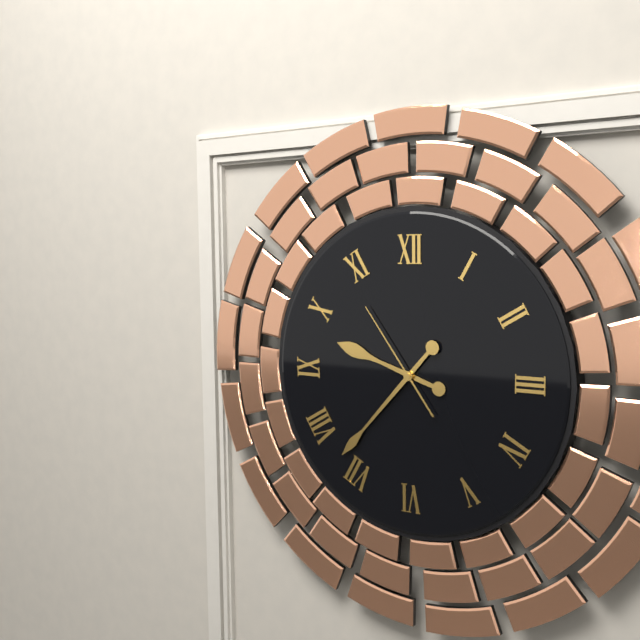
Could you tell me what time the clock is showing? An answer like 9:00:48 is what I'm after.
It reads 9:37:54
